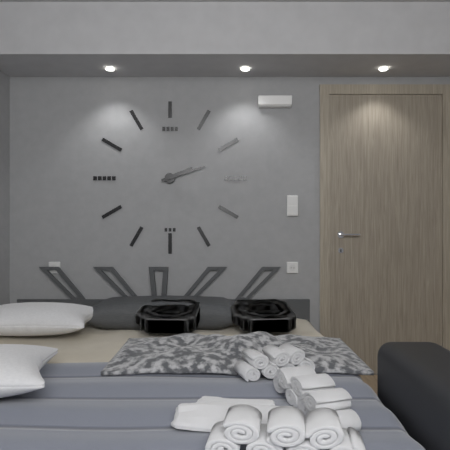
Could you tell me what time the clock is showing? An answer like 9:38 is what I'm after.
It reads 2:12
